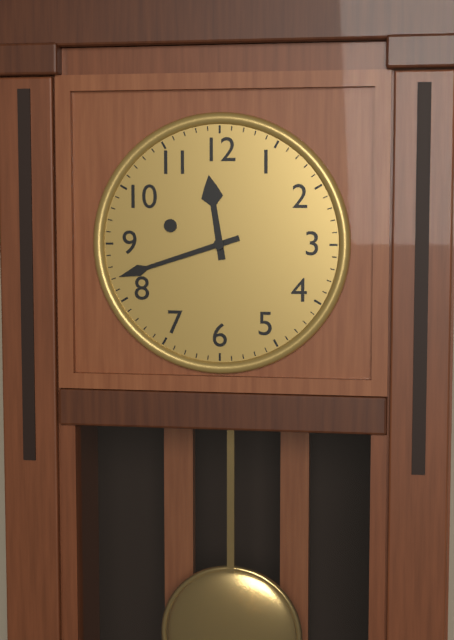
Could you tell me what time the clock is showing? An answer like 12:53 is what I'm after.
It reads 11:42
